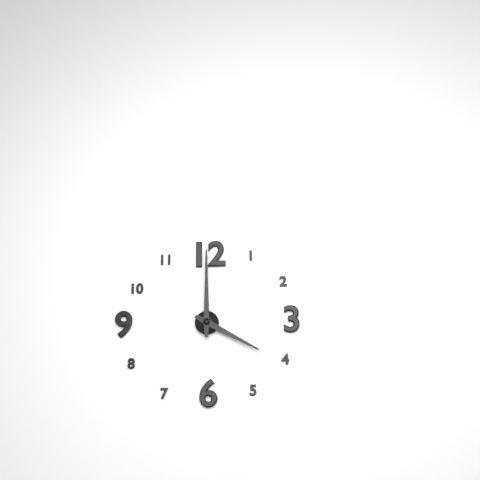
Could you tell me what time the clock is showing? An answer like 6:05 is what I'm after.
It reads 4:00
